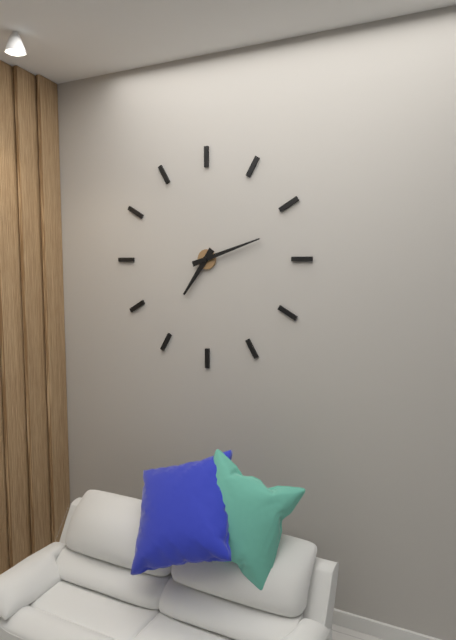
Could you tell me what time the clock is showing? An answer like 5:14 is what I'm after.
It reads 7:12
